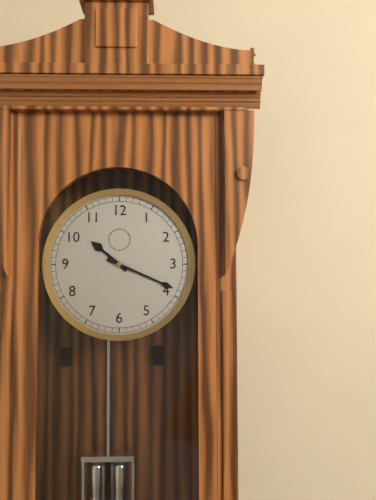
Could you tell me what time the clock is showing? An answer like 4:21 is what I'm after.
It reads 10:19
